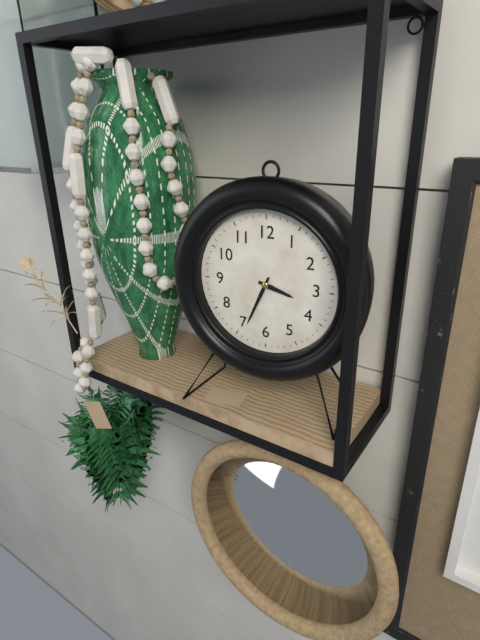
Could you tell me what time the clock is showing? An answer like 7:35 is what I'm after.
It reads 3:34
